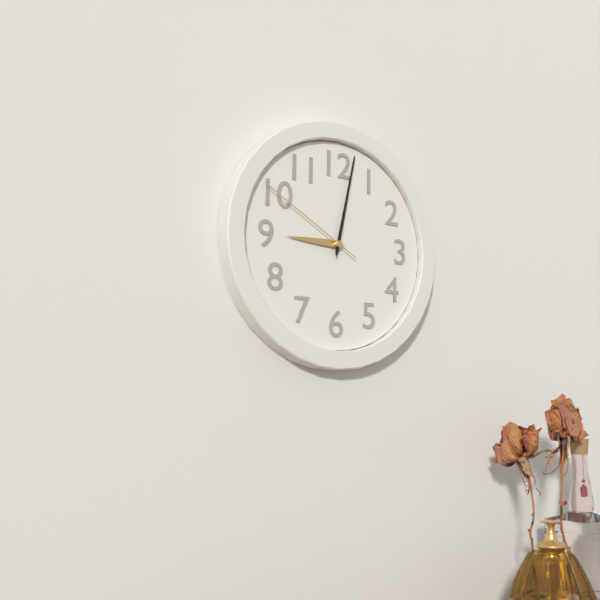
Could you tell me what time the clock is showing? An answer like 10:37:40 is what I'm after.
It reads 9:02:50
